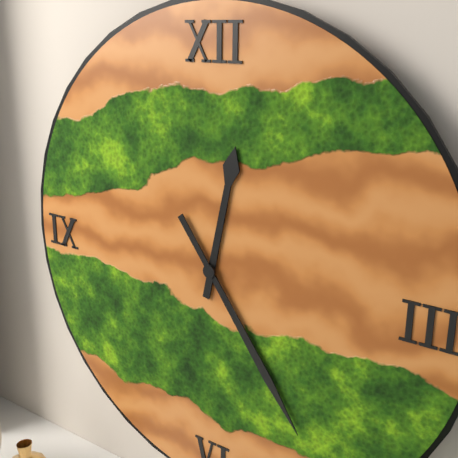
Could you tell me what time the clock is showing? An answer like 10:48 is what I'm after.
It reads 12:24
